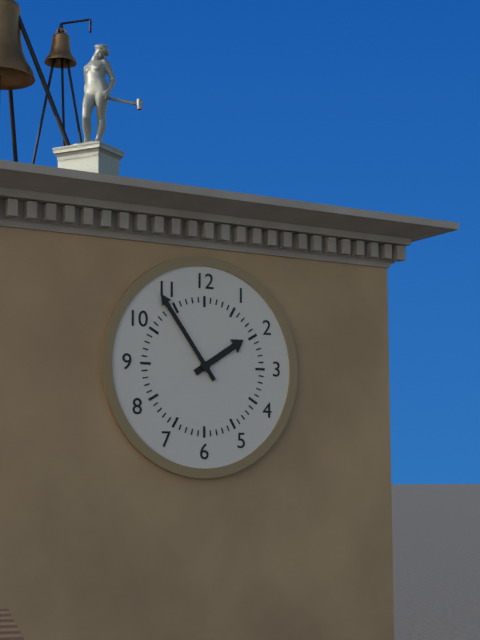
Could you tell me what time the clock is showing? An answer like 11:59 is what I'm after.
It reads 1:54
